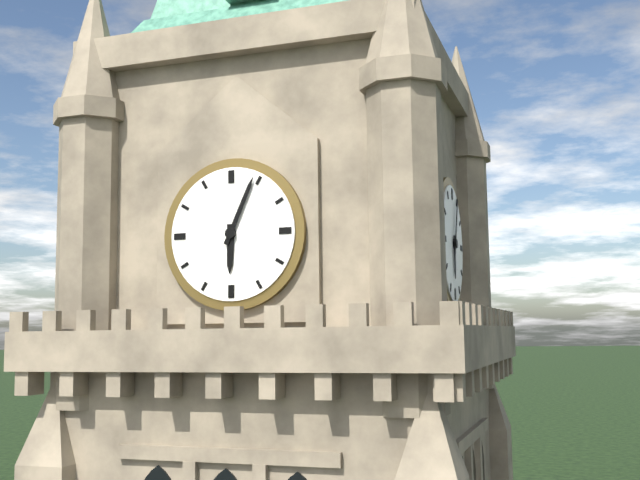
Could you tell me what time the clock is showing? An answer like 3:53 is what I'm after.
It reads 6:04
